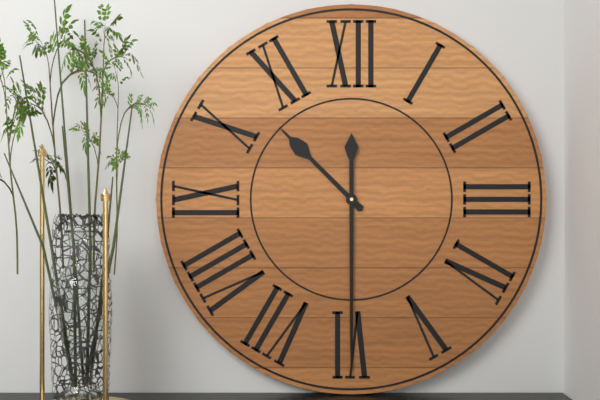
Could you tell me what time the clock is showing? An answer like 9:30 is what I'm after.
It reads 10:30
